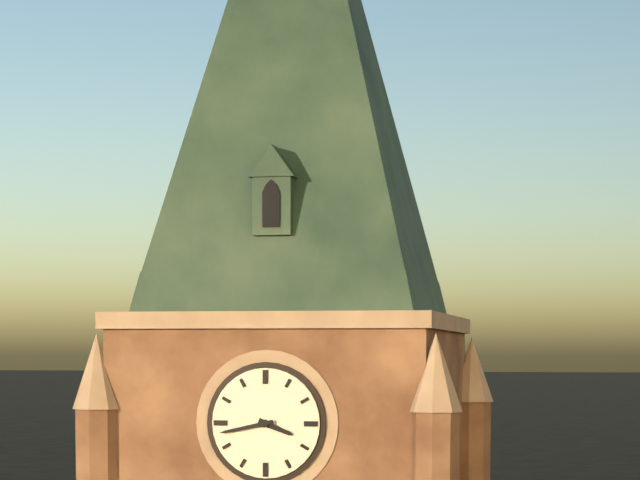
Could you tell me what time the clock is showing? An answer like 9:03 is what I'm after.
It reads 3:43
